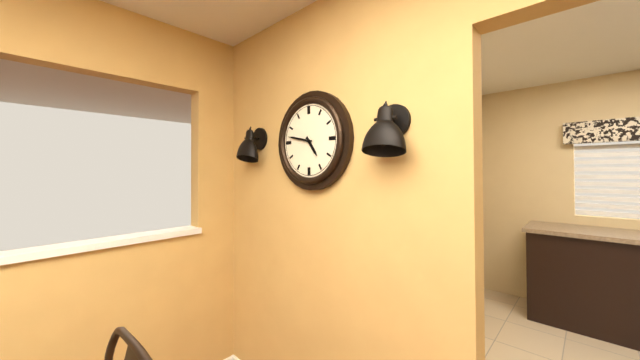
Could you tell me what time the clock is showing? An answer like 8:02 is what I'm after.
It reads 4:47
